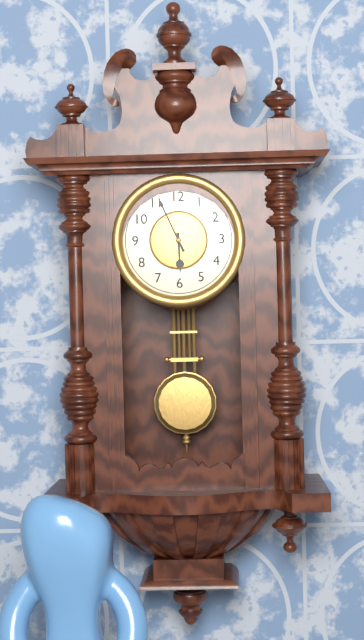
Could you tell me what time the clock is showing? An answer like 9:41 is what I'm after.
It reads 5:56
